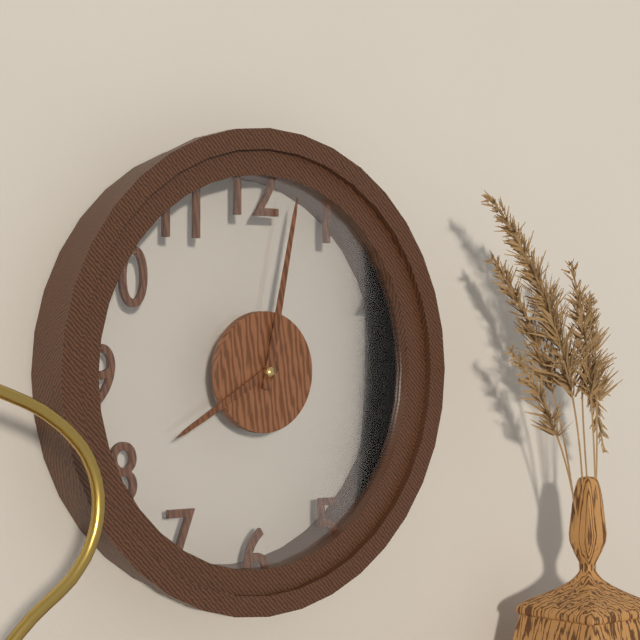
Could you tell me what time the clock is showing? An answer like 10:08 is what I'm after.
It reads 8:02
